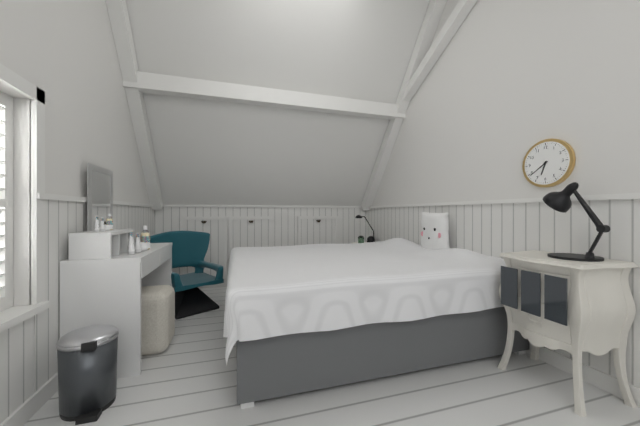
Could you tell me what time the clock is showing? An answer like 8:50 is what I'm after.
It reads 6:39
